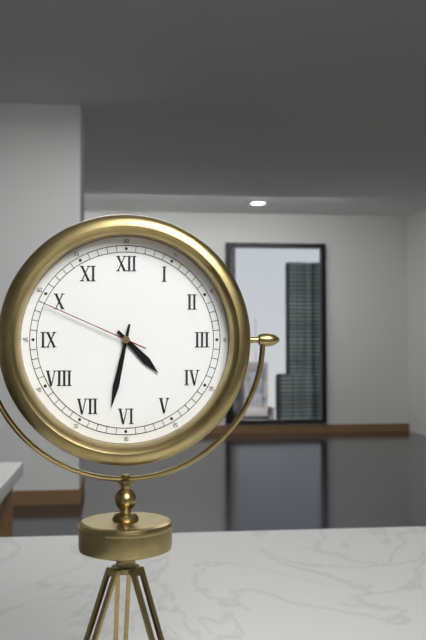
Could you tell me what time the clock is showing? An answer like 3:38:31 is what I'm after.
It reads 4:32:49
